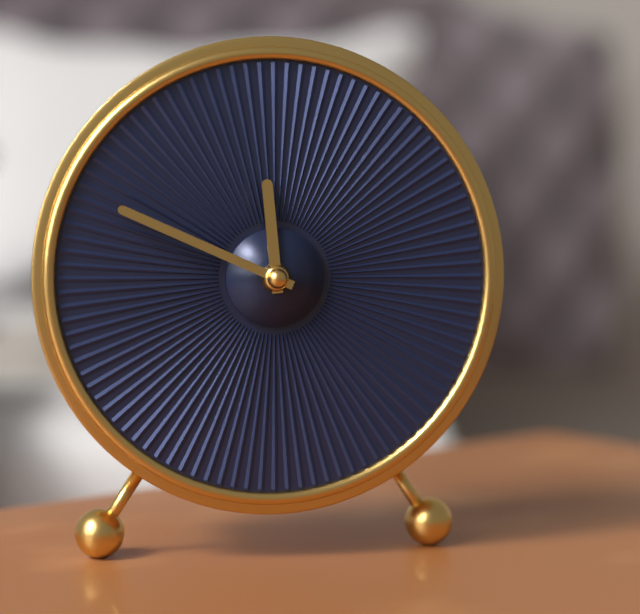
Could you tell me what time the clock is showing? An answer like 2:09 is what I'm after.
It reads 11:49
